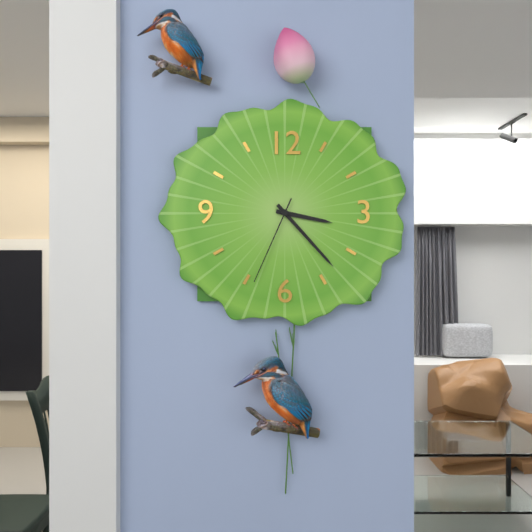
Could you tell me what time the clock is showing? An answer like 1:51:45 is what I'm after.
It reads 3:23:34
